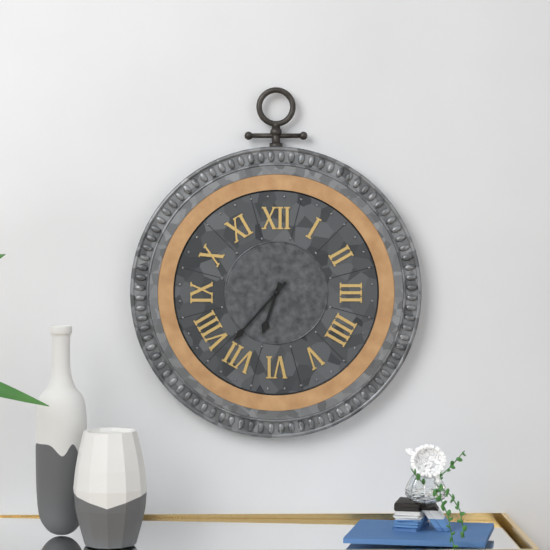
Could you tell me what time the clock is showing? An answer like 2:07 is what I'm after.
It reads 6:37
